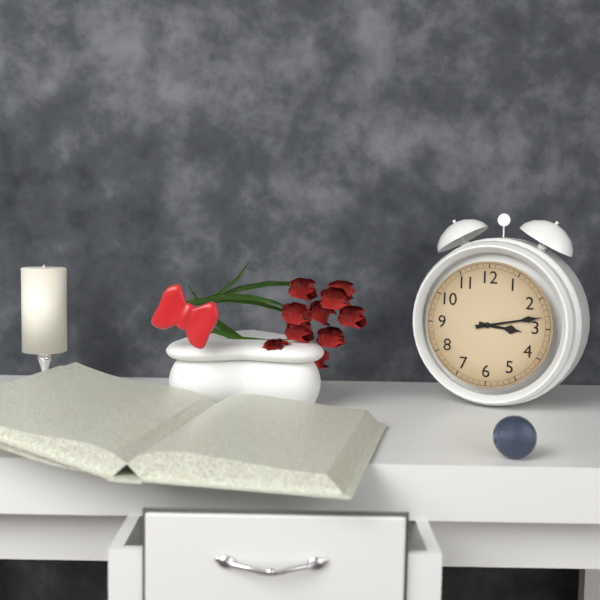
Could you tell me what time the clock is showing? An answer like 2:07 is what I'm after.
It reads 3:13
